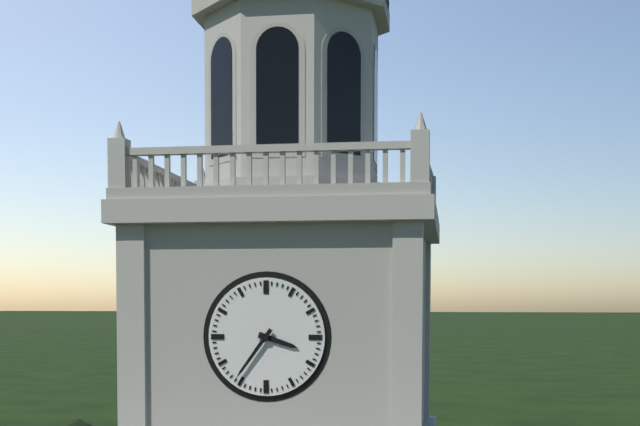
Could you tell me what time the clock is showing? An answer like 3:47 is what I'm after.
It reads 3:36
